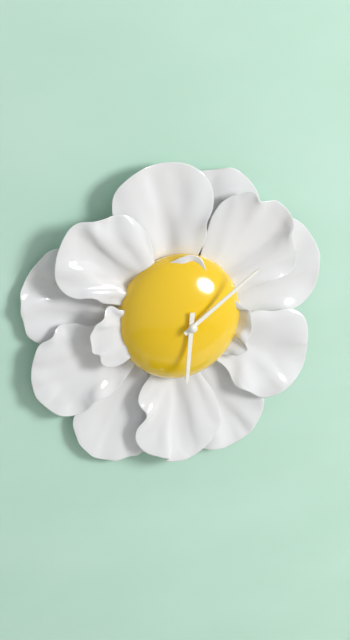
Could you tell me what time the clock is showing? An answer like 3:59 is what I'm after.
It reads 6:09
